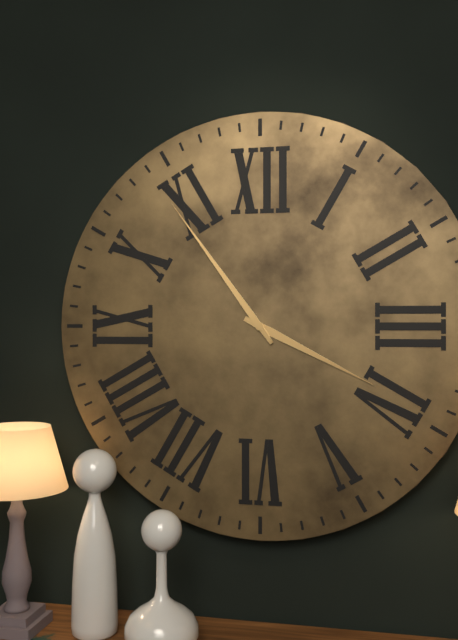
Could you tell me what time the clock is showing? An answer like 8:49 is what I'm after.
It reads 3:54
